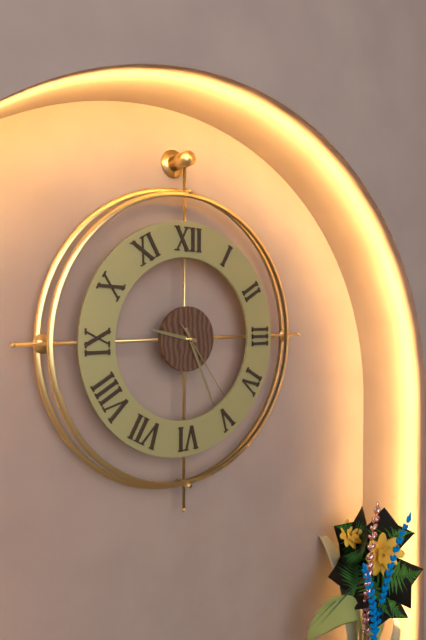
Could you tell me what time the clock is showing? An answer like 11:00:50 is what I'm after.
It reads 9:26:24
